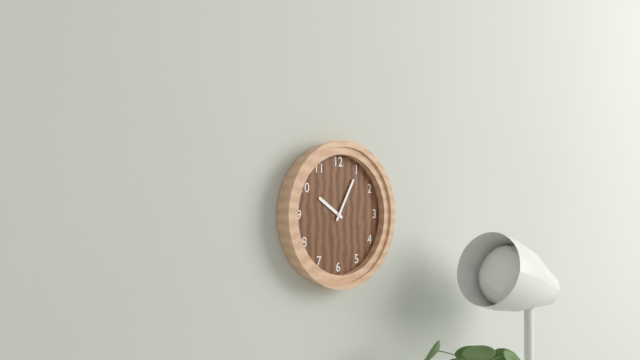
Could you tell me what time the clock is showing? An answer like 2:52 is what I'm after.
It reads 10:05
